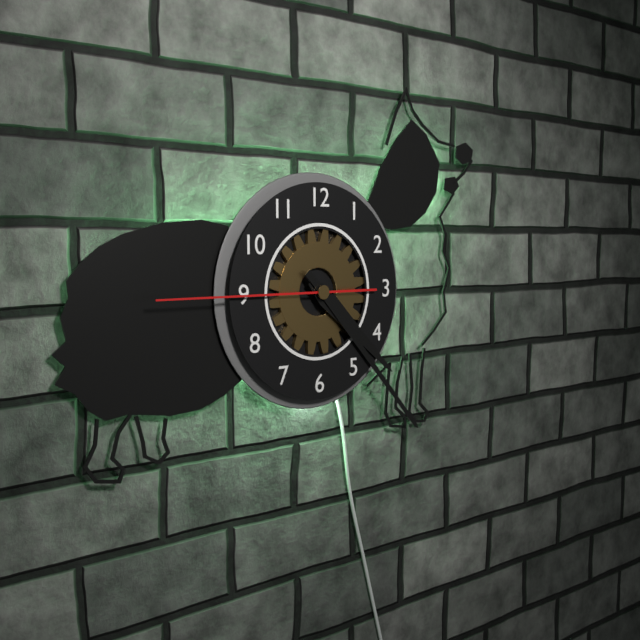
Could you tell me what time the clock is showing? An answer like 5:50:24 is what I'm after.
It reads 4:23:45
